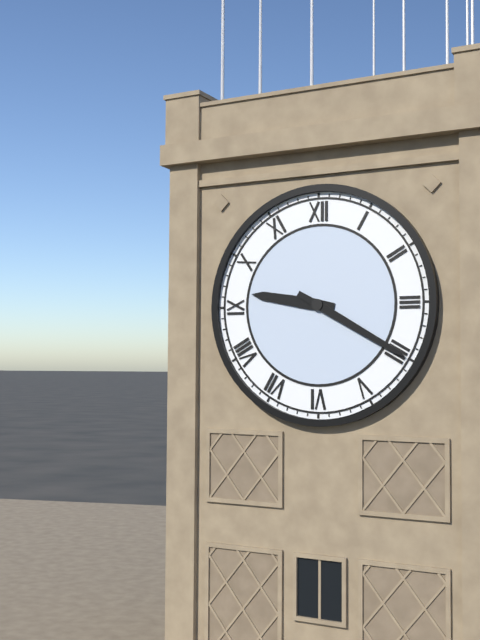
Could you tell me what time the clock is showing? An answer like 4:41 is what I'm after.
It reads 9:20
